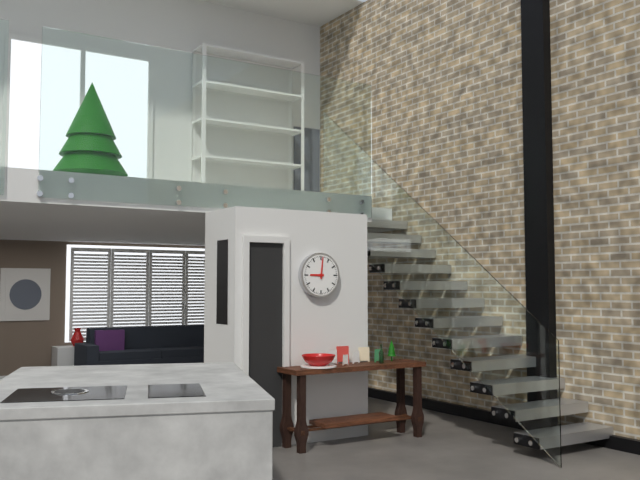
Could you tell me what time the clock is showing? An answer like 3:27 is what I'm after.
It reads 9:01
